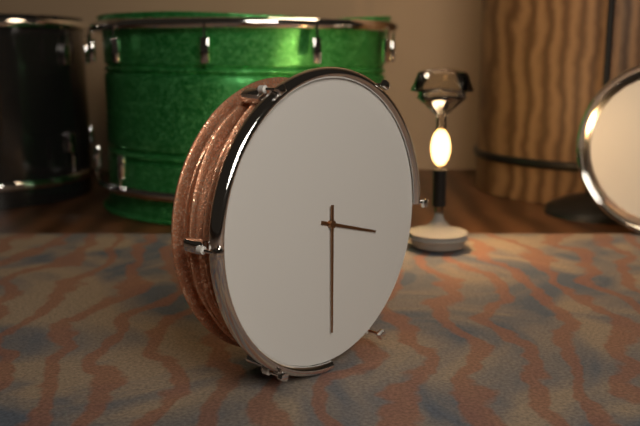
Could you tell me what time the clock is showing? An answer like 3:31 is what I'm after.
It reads 3:30
